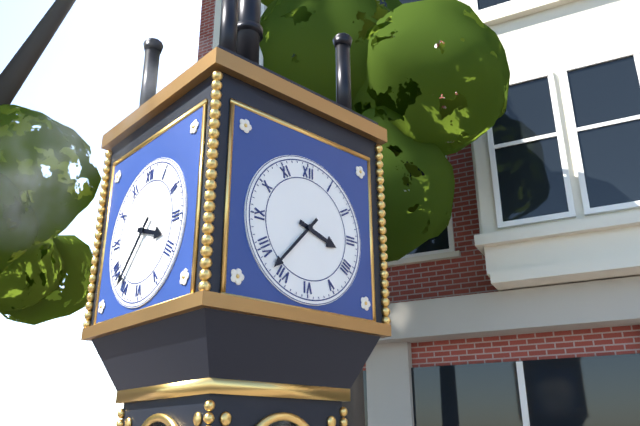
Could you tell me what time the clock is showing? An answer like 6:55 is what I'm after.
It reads 3:37
